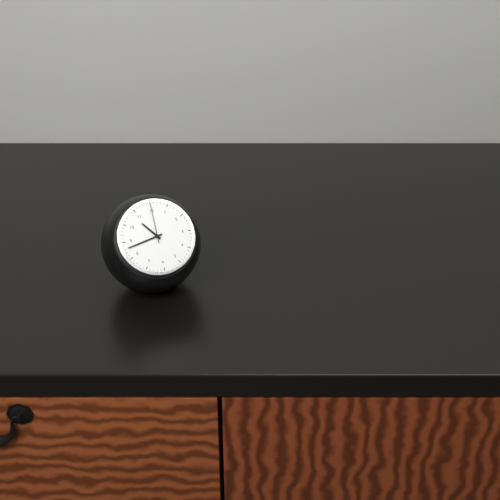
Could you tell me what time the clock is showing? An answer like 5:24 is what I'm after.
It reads 10:43
